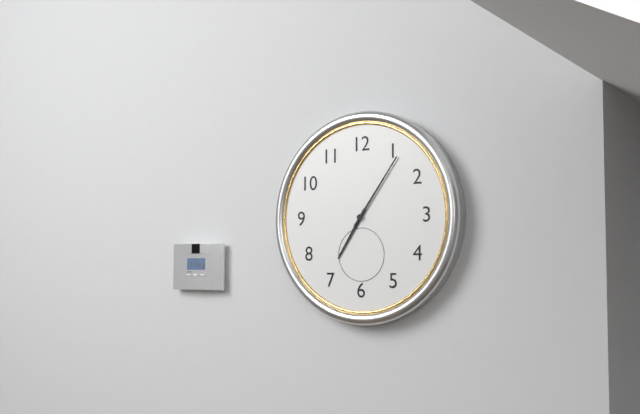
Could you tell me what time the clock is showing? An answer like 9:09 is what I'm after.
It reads 7:06
